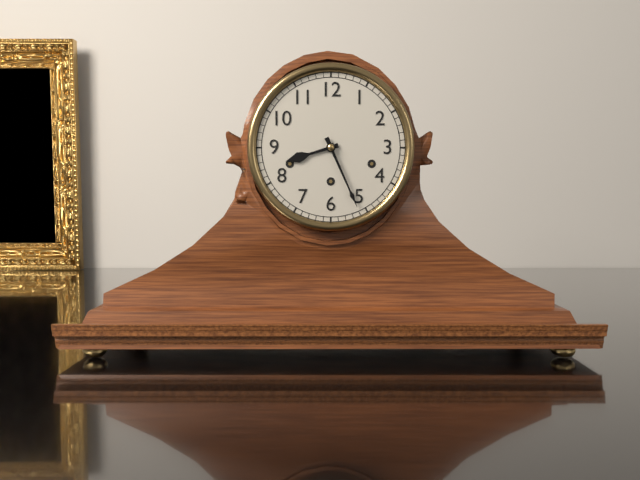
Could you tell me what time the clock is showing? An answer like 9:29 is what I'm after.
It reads 8:26
